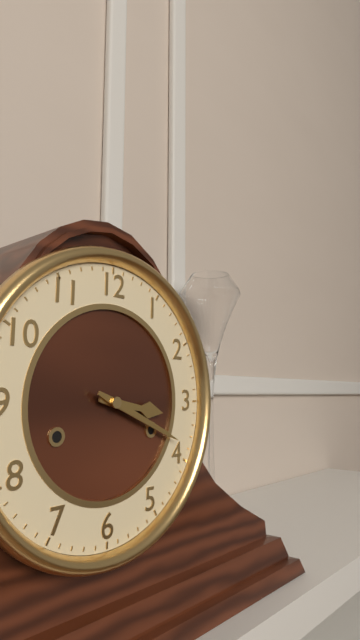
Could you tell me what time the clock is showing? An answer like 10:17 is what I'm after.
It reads 3:19
